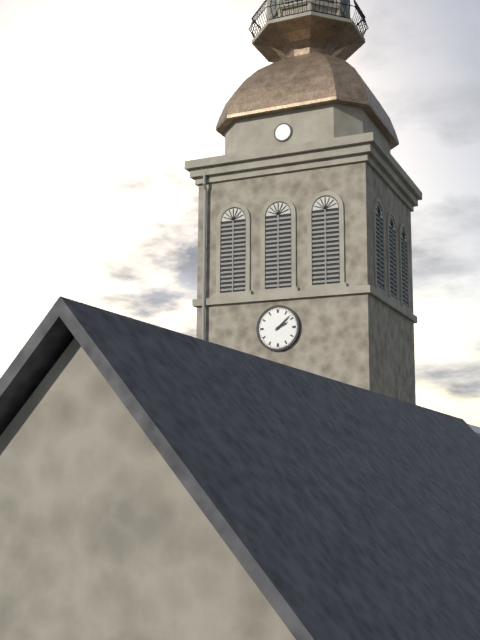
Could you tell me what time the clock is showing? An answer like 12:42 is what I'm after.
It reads 2:08
